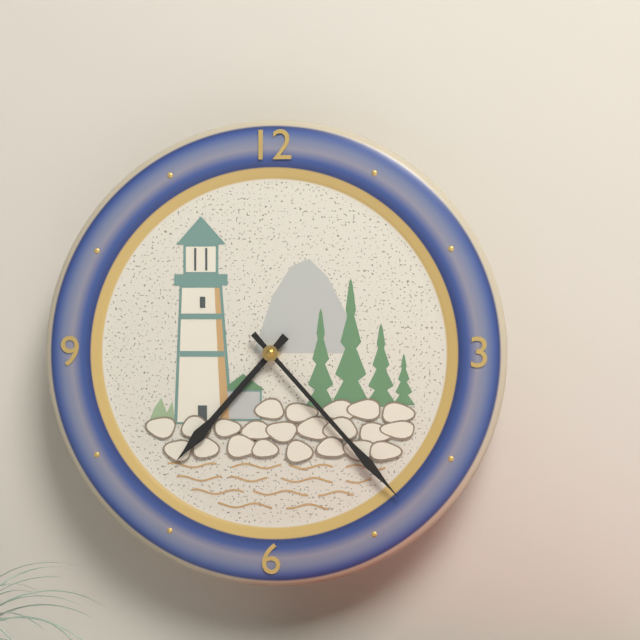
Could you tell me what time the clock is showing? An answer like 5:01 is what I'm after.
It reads 7:23
